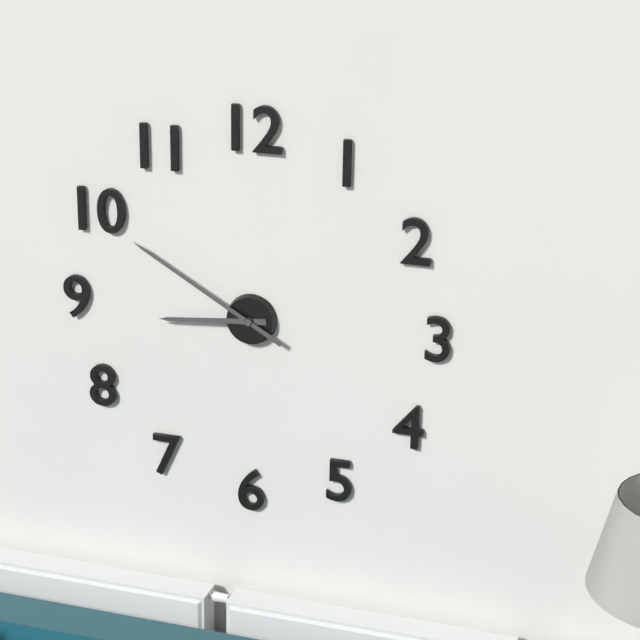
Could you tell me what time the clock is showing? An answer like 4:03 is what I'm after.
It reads 8:50
